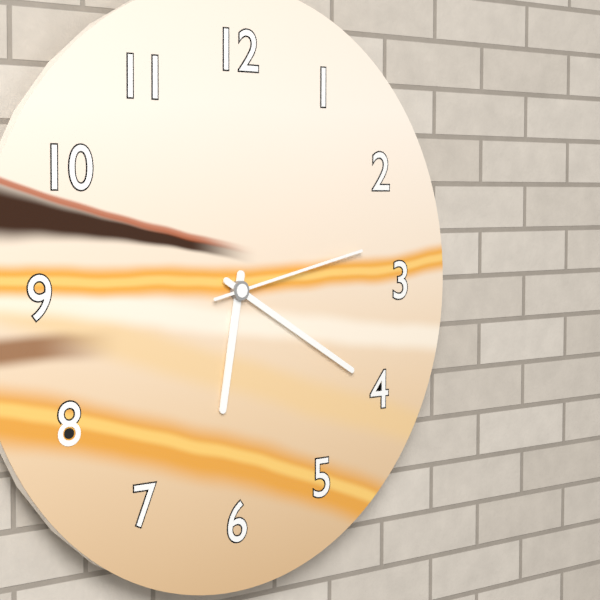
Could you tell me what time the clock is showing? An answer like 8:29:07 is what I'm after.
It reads 6:20:13
